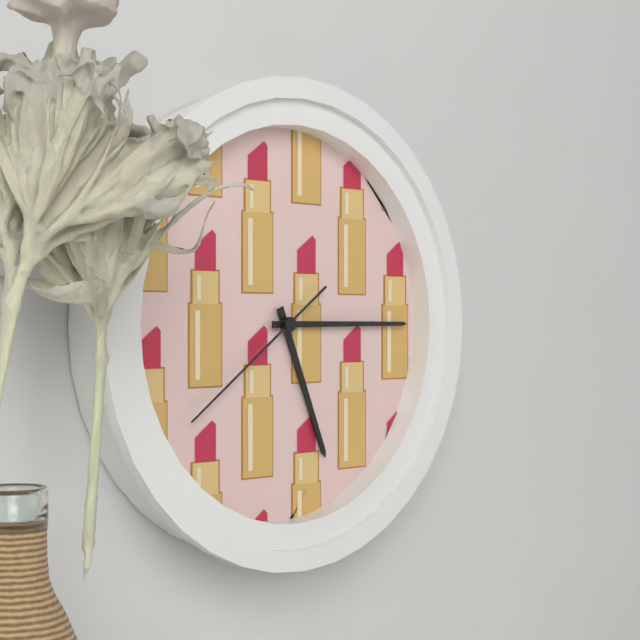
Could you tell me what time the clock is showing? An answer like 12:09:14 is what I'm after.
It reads 5:15:39
